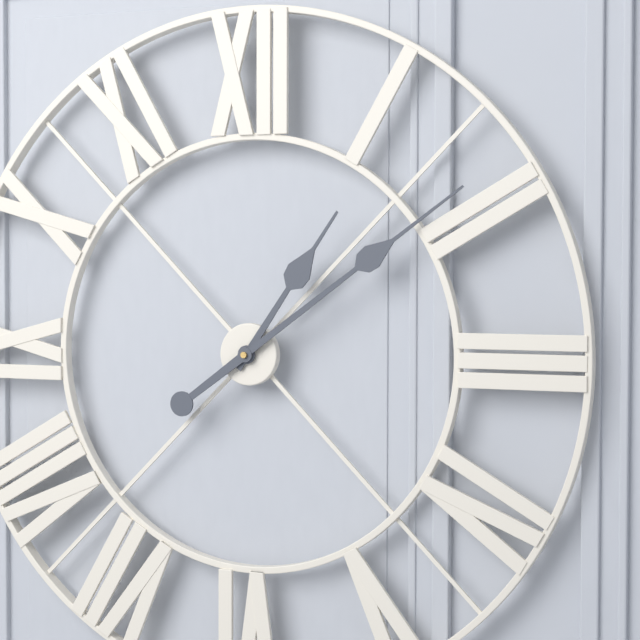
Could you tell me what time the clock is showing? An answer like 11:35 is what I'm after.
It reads 1:09
